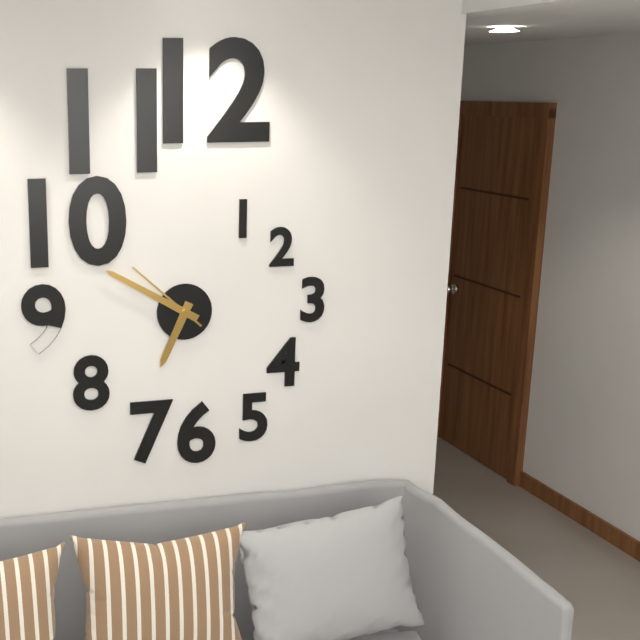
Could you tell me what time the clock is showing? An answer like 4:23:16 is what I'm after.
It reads 6:50:52
